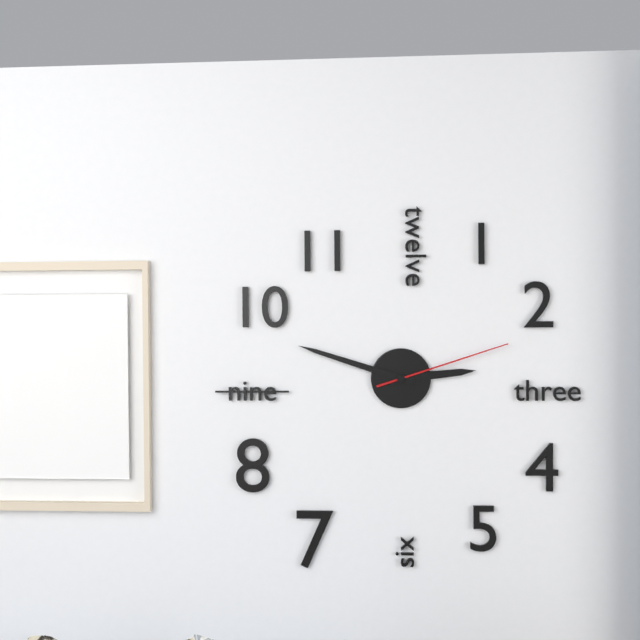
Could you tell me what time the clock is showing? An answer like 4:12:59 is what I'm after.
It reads 2:48:12
